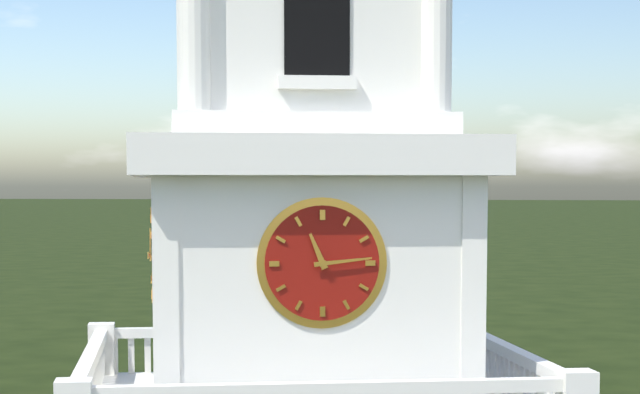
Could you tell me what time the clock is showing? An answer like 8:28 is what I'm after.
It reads 11:14
